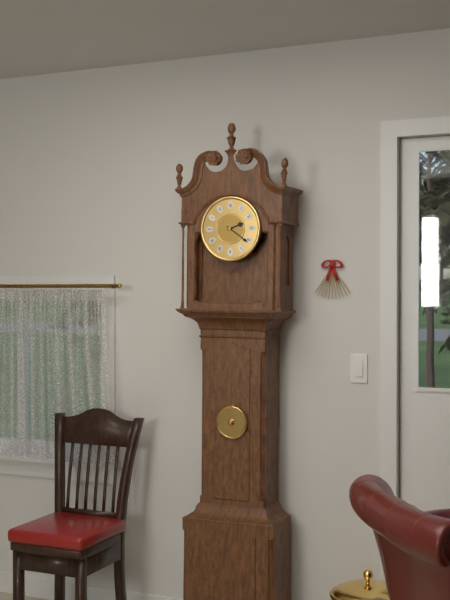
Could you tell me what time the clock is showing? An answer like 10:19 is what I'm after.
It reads 2:21
